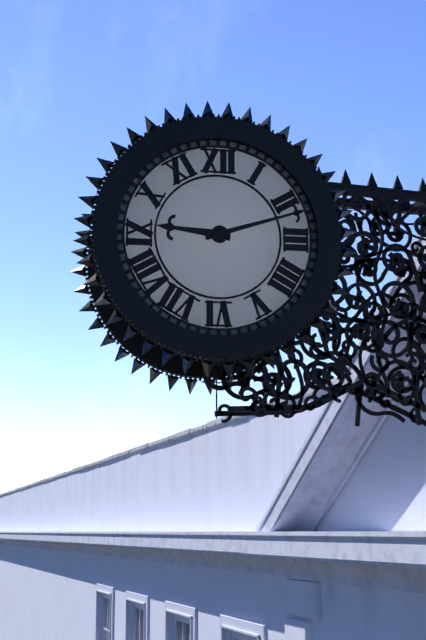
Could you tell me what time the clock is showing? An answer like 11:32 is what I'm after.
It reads 9:12
